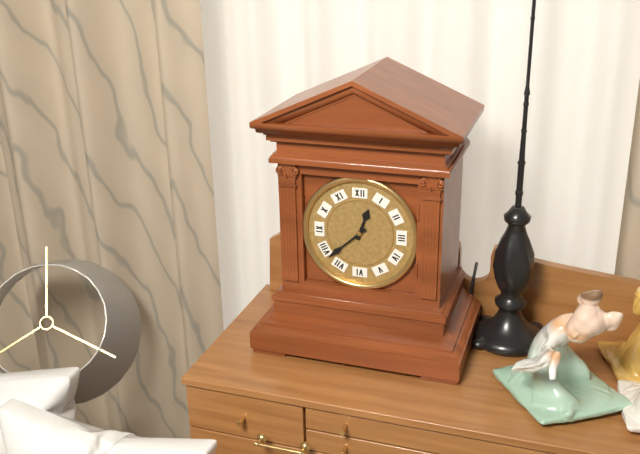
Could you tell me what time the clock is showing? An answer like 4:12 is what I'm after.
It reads 12:38
